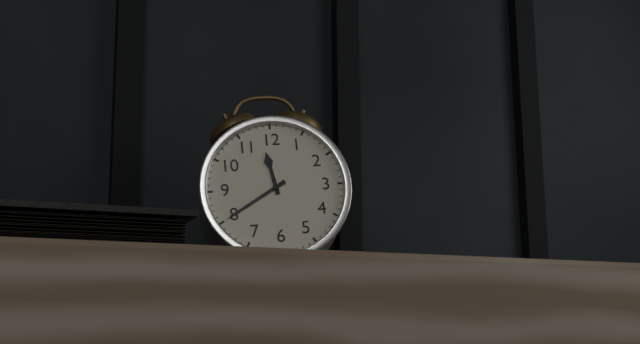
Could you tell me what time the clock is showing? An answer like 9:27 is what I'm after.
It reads 11:40
